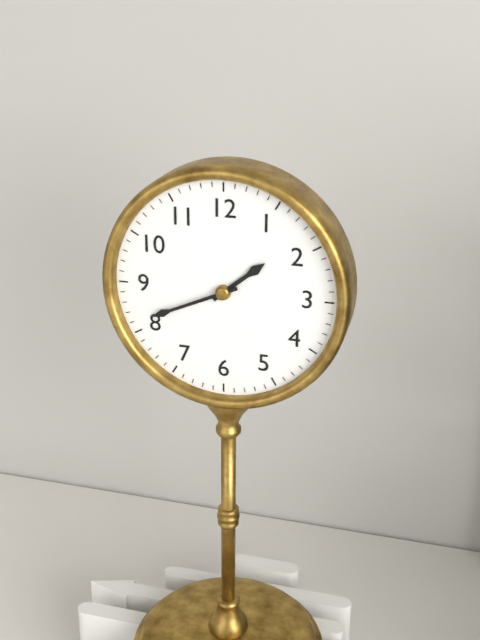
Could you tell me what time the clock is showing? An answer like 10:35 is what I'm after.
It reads 1:41
